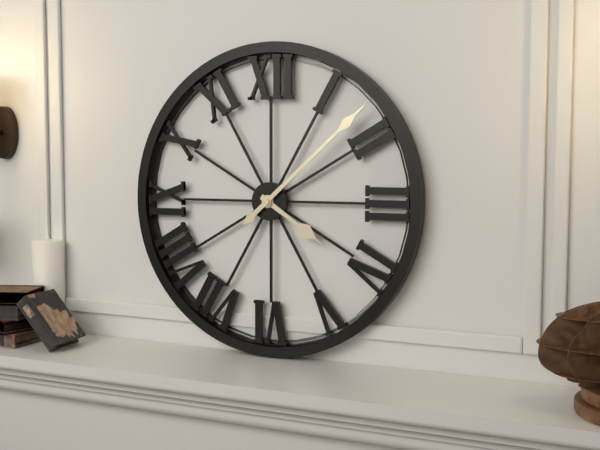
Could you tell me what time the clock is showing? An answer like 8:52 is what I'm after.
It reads 4:08
